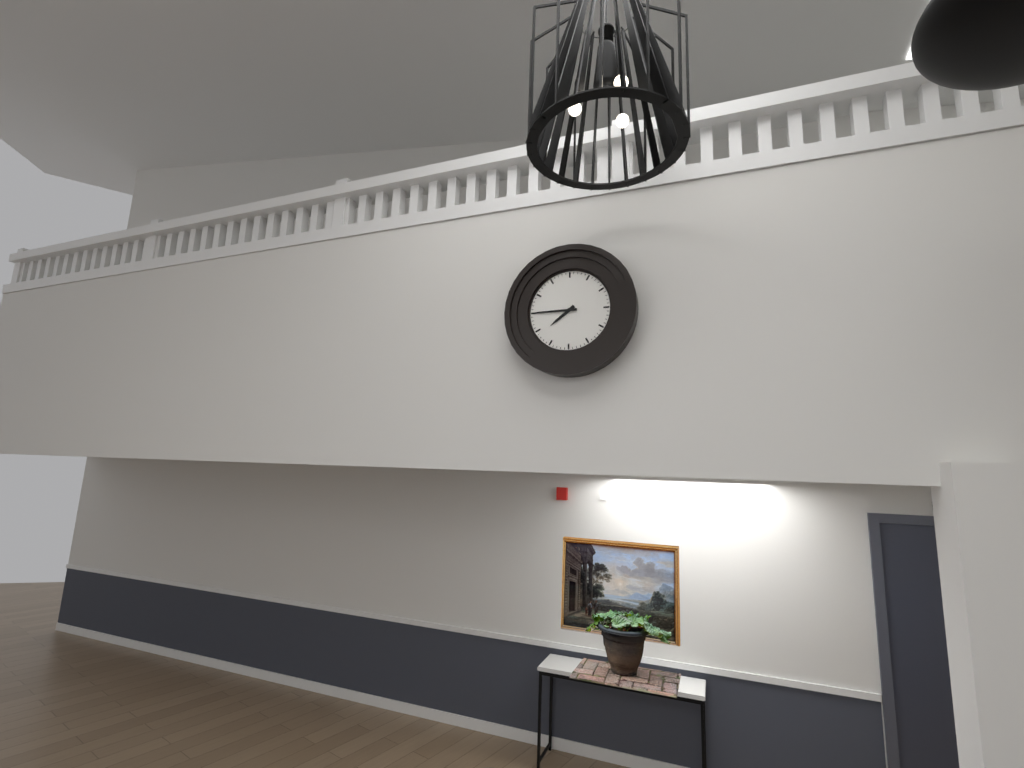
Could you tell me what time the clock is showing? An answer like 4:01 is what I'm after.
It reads 7:45
